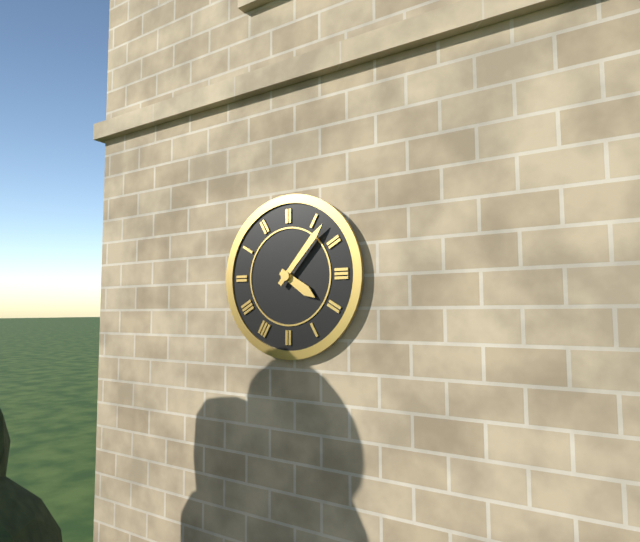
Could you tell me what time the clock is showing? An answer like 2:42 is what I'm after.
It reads 4:07
